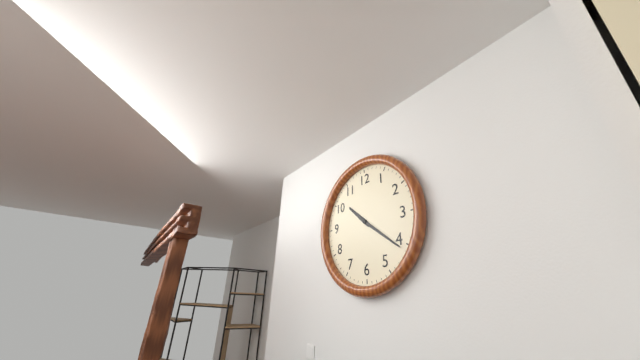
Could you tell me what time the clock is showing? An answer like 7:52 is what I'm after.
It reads 10:21
